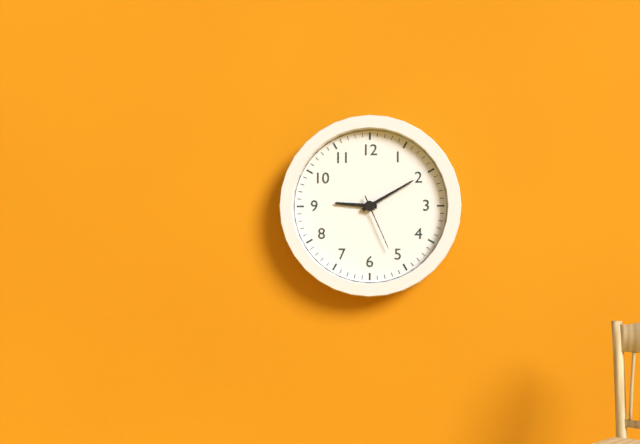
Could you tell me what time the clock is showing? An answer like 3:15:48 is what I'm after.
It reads 9:10:26
